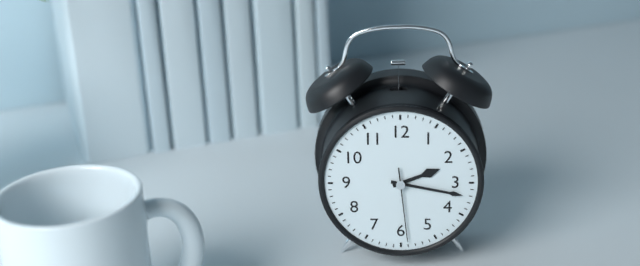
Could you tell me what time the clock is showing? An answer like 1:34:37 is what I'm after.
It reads 2:17:29
